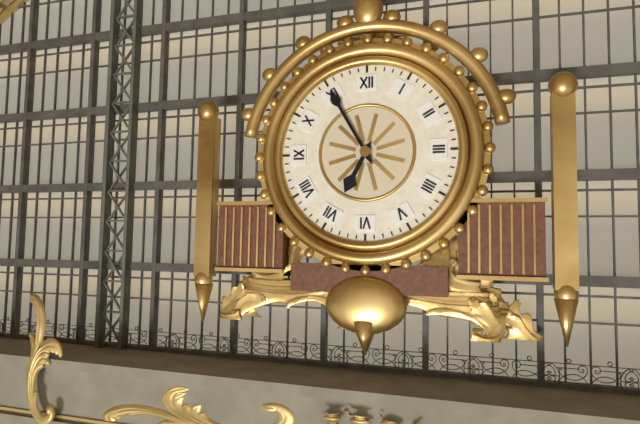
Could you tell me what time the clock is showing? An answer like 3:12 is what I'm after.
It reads 6:55
